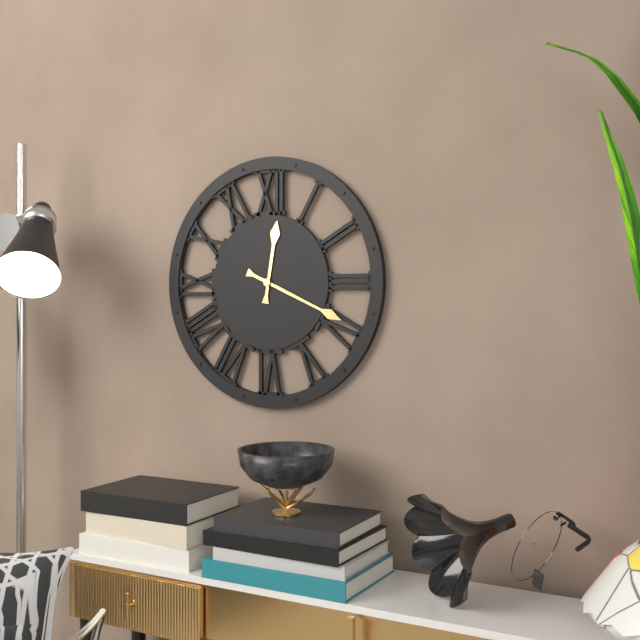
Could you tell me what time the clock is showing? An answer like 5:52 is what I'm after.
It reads 12:19
